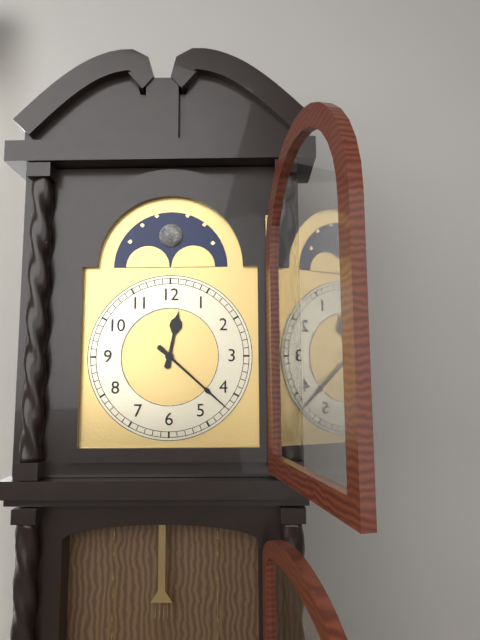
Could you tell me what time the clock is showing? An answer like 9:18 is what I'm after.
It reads 12:22
